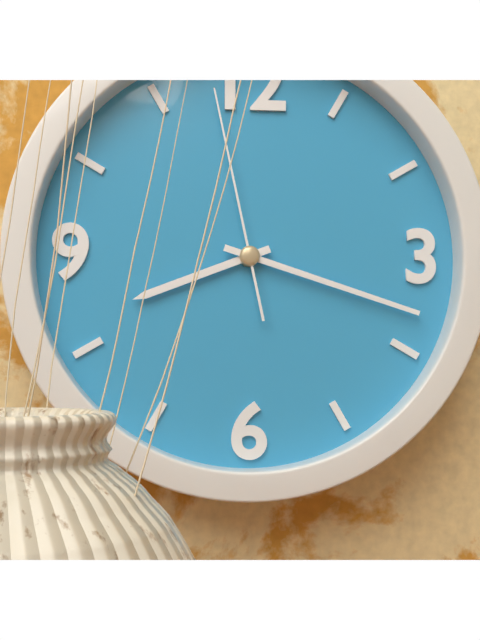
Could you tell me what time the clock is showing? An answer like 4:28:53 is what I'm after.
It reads 8:18:58
